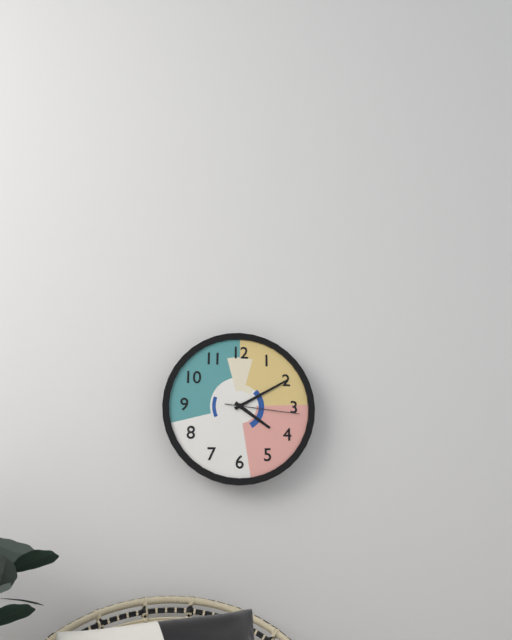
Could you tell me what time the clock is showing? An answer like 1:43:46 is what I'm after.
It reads 4:10:16
